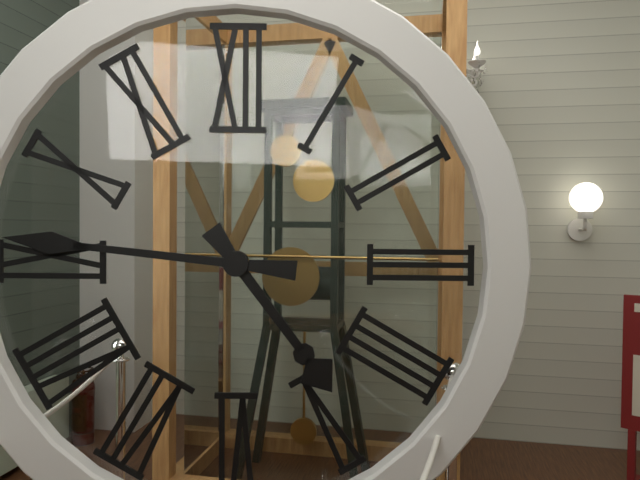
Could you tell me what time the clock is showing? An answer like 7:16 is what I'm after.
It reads 4:46
